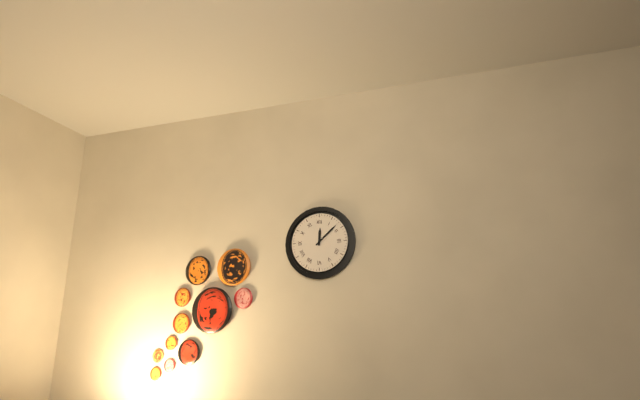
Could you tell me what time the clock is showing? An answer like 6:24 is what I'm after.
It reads 12:08
